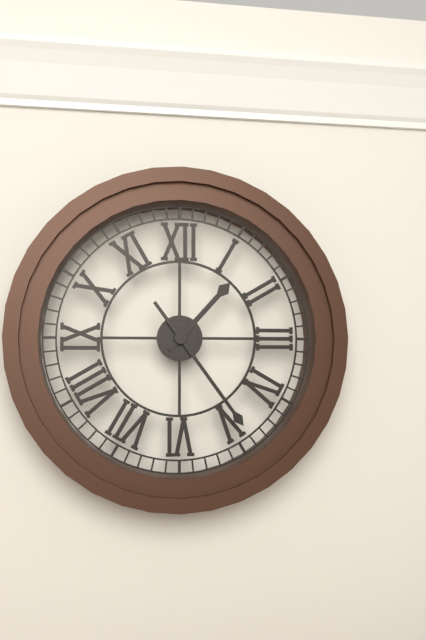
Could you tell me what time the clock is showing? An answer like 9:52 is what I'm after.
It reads 1:24
